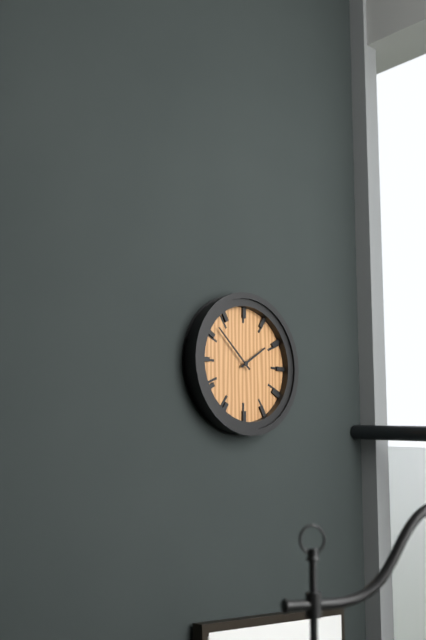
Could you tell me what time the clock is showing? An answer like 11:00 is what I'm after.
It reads 1:52
